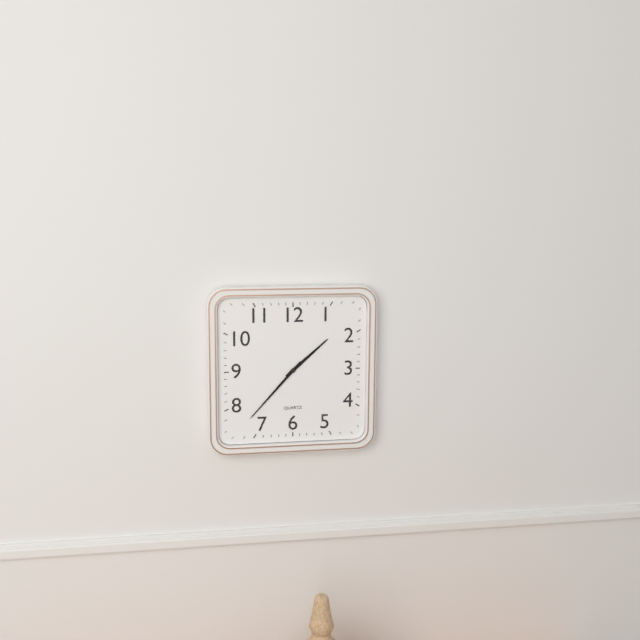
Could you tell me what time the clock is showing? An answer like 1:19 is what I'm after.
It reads 1:37
